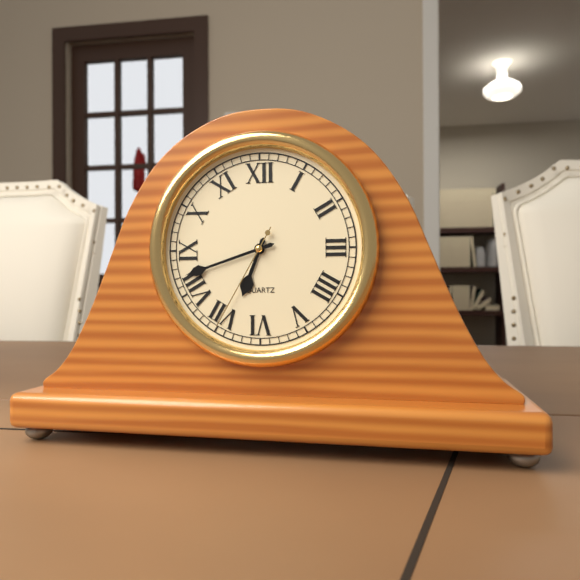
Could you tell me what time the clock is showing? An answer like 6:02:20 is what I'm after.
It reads 6:42:35
